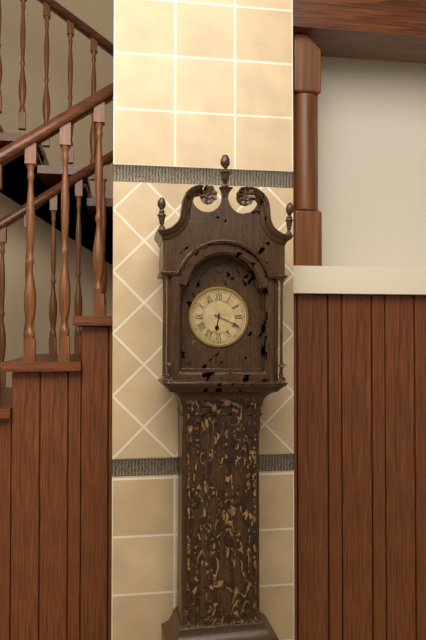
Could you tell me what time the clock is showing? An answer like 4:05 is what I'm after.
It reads 6:19
